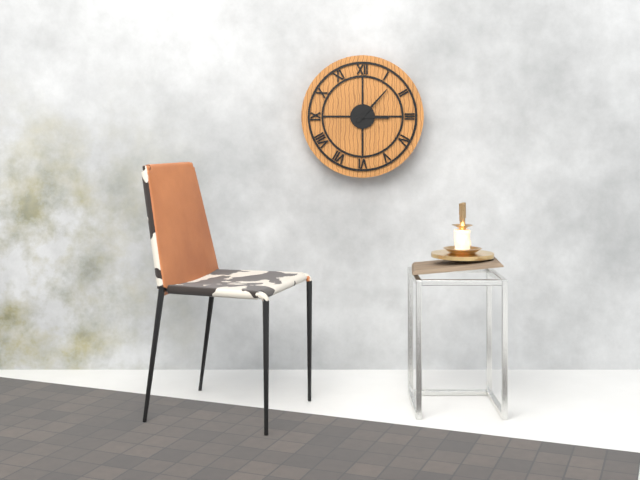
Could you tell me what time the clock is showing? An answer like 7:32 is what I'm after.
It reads 3:07
